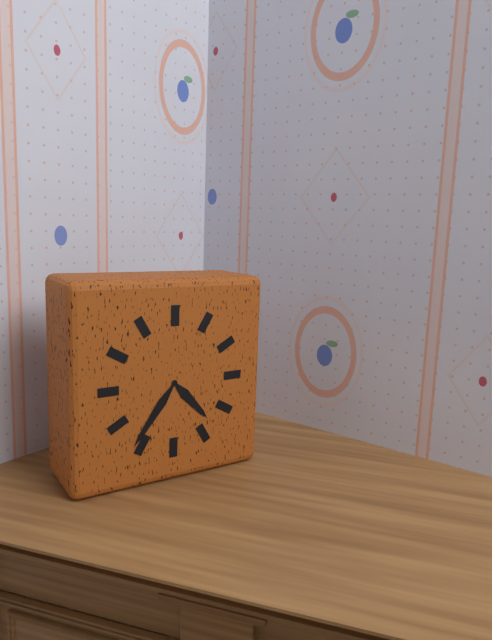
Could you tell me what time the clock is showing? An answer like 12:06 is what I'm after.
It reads 4:36
